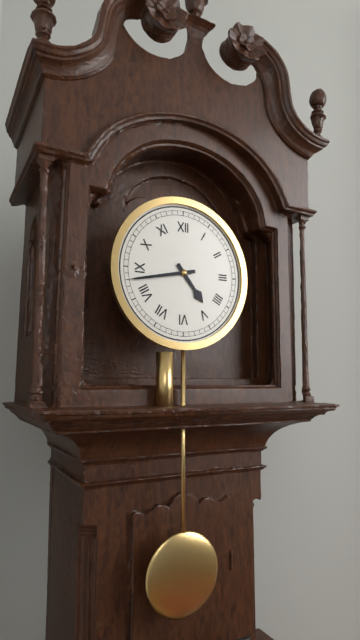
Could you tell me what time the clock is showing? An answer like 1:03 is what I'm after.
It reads 4:43
